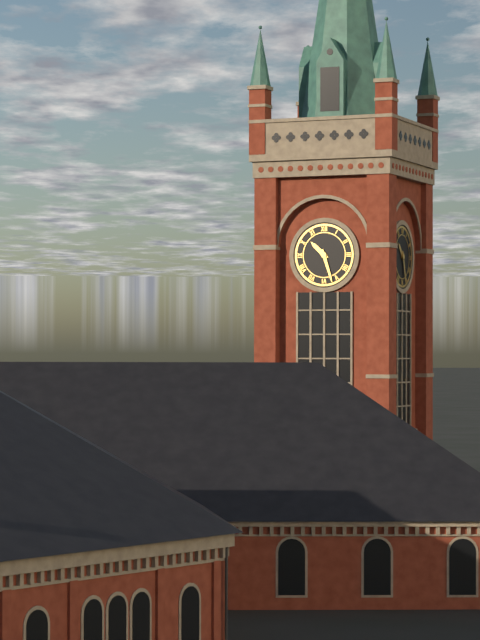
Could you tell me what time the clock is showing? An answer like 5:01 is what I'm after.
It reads 10:27
